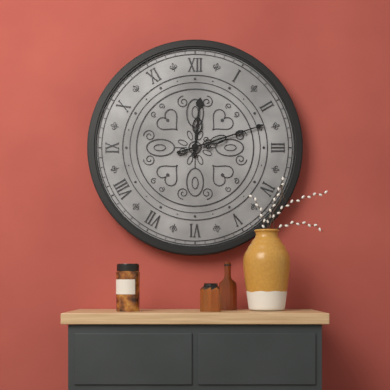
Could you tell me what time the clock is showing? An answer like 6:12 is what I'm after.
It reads 12:12
